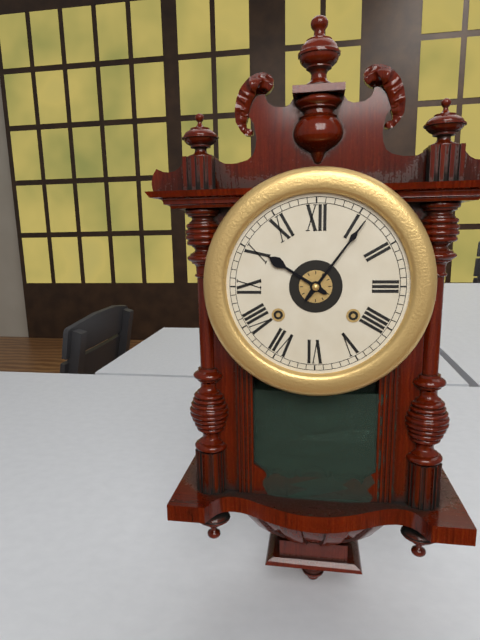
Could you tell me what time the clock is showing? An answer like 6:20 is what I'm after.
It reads 10:06
